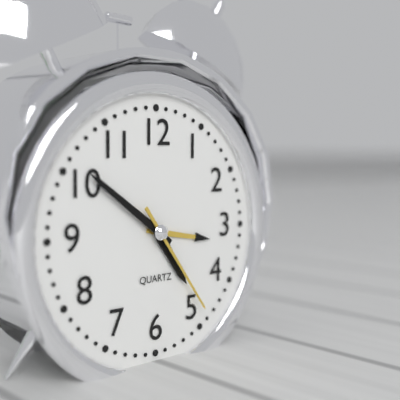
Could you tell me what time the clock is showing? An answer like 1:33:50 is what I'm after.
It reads 4:51:24
